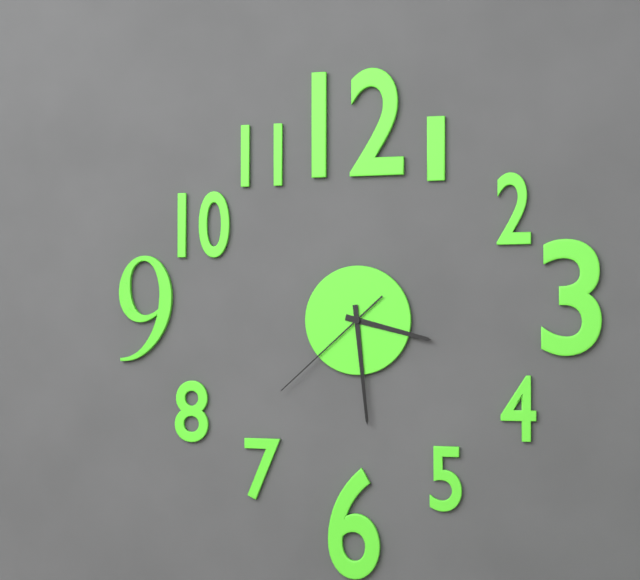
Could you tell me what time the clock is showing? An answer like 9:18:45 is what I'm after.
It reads 3:29:38
